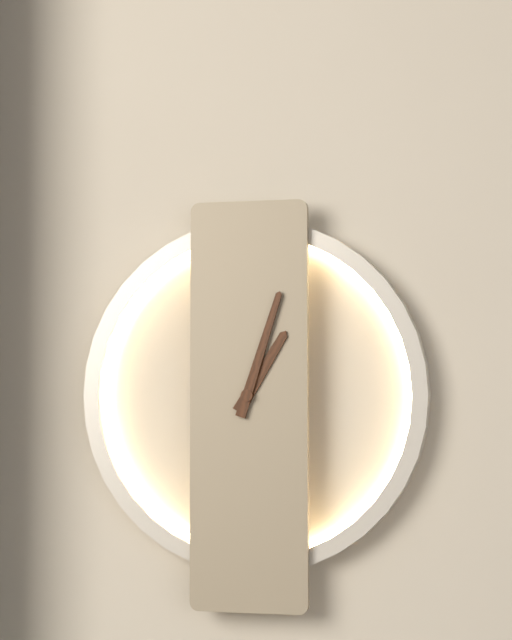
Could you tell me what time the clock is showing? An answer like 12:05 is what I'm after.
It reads 1:03
